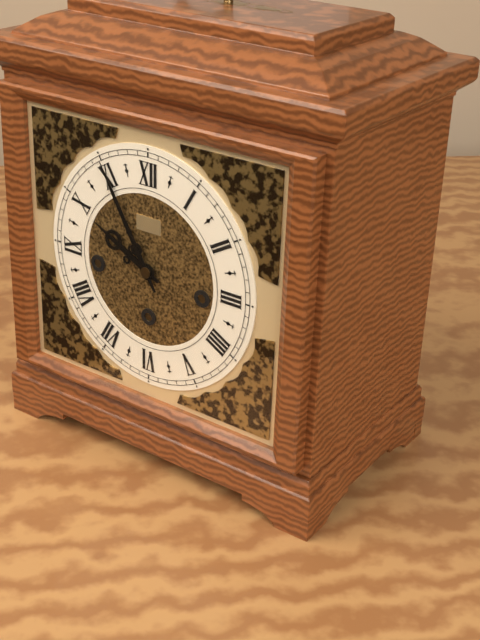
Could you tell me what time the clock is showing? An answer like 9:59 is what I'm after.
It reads 9:55
